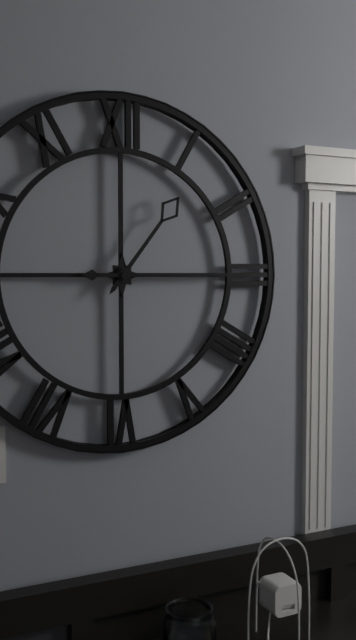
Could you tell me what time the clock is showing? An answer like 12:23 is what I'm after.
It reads 1:15
